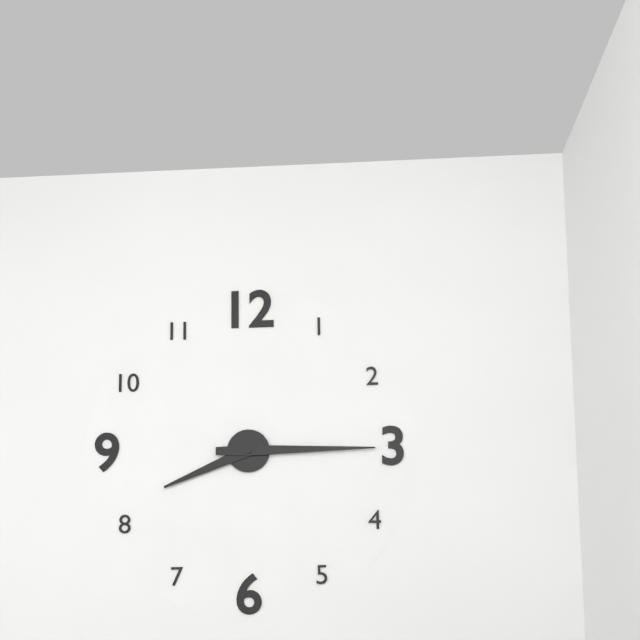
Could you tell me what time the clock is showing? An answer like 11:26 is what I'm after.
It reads 8:15
